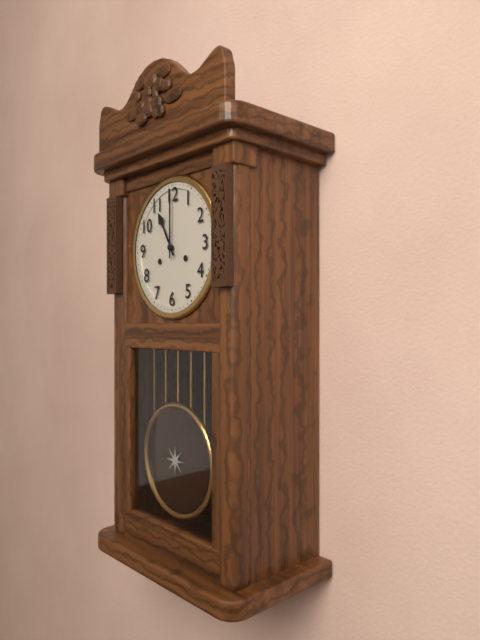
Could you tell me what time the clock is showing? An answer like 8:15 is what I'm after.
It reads 11:00
